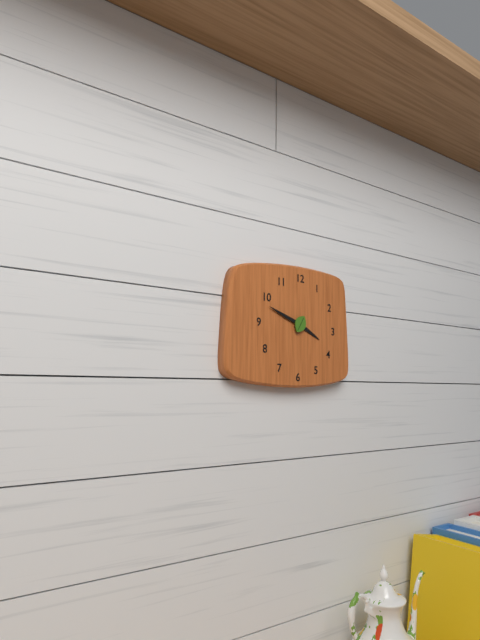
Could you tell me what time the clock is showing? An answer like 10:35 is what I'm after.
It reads 3:48
